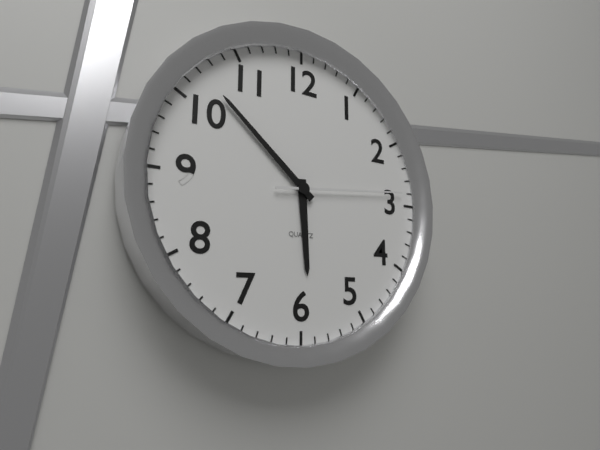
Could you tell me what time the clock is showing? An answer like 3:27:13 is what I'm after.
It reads 5:52:14
